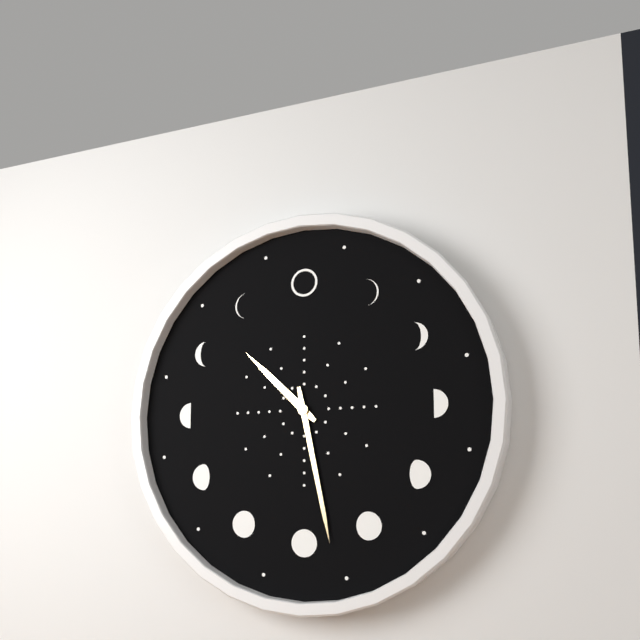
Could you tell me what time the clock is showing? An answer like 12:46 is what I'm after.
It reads 10:28
